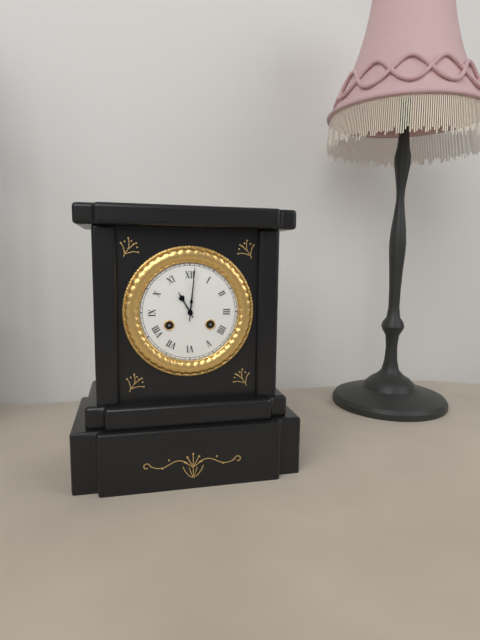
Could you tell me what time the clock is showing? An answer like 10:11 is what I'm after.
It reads 11:01
